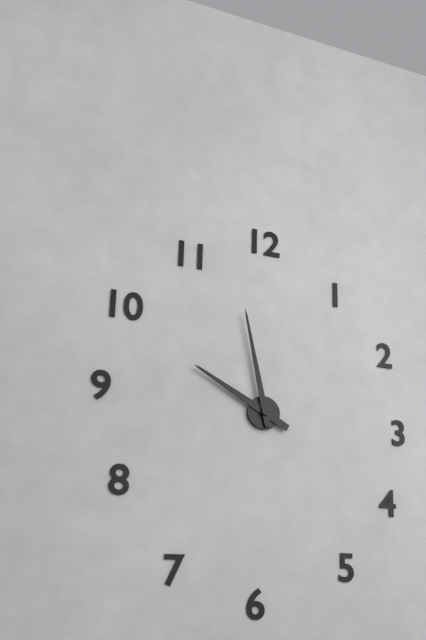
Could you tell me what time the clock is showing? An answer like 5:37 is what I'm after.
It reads 9:58
